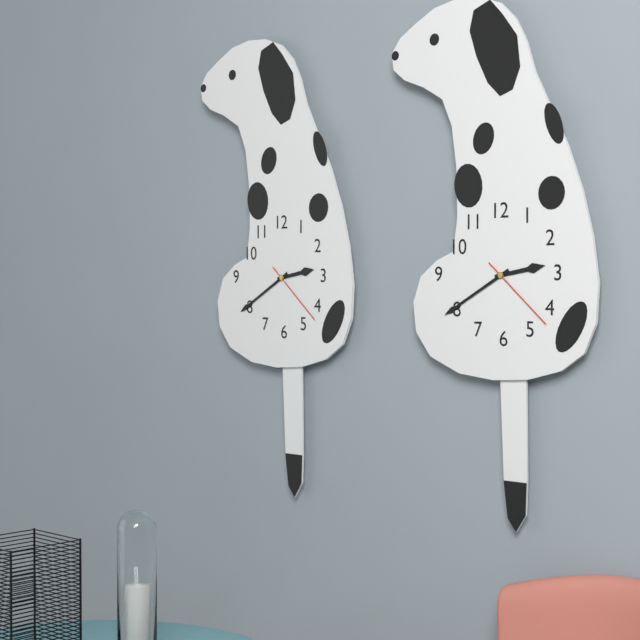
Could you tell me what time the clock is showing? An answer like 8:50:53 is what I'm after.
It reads 2:40:22
